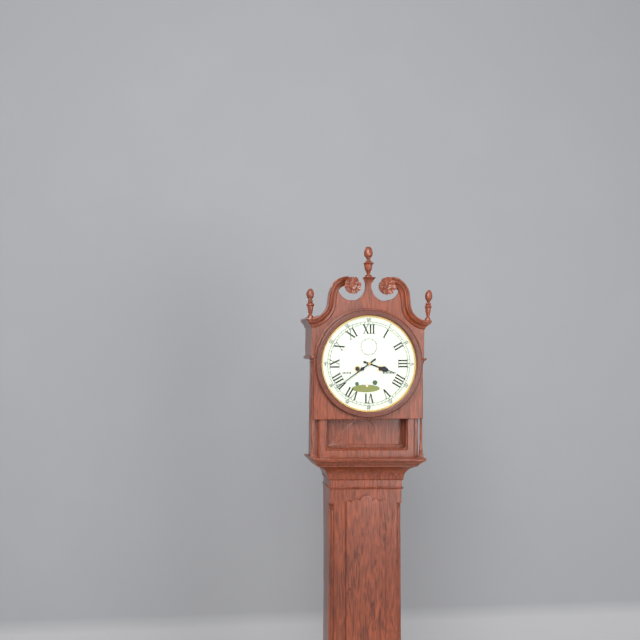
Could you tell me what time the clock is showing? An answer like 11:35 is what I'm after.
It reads 3:39
